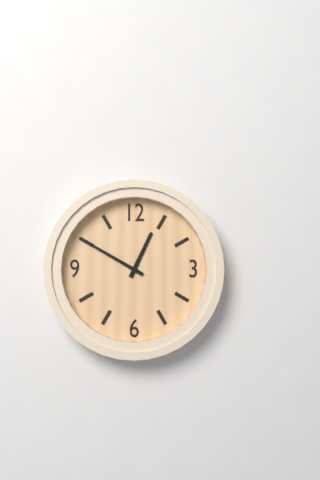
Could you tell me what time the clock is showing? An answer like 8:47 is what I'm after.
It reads 12:50
